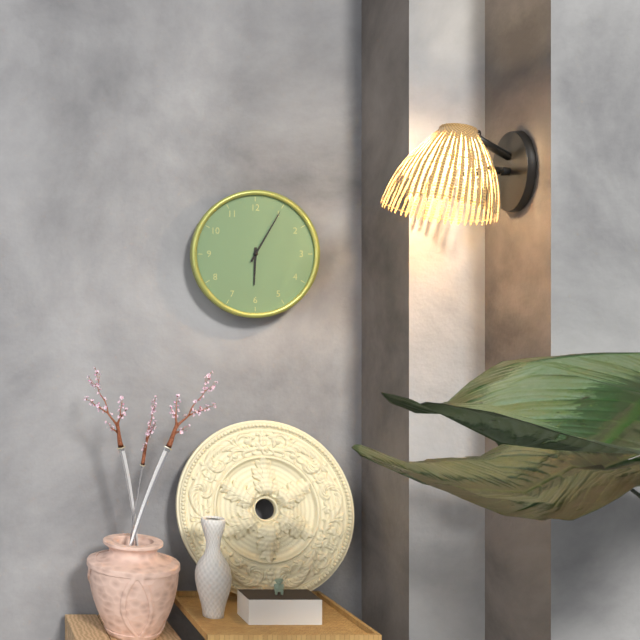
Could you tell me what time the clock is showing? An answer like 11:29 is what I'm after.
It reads 6:05
